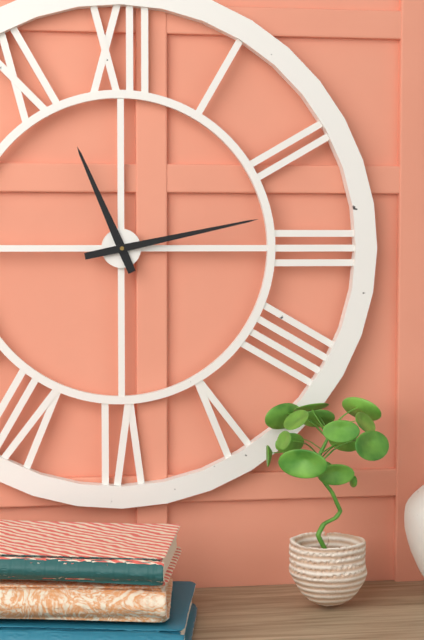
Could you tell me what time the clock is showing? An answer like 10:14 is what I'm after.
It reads 11:13
